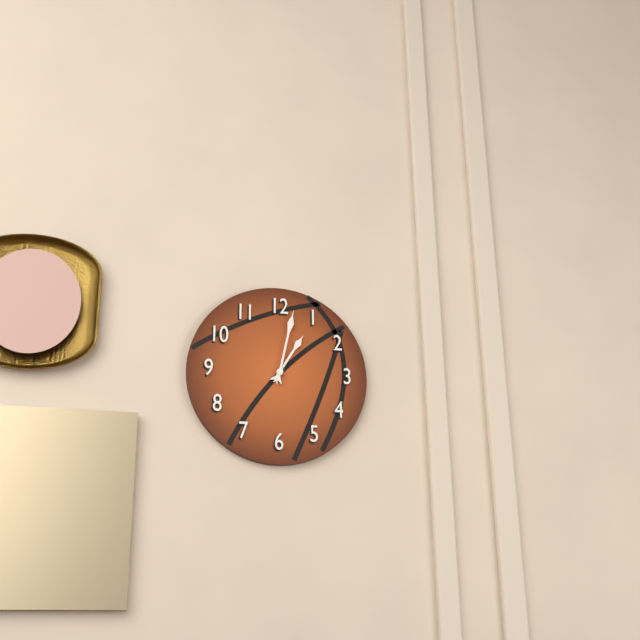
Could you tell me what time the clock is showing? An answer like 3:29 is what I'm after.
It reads 1:02
